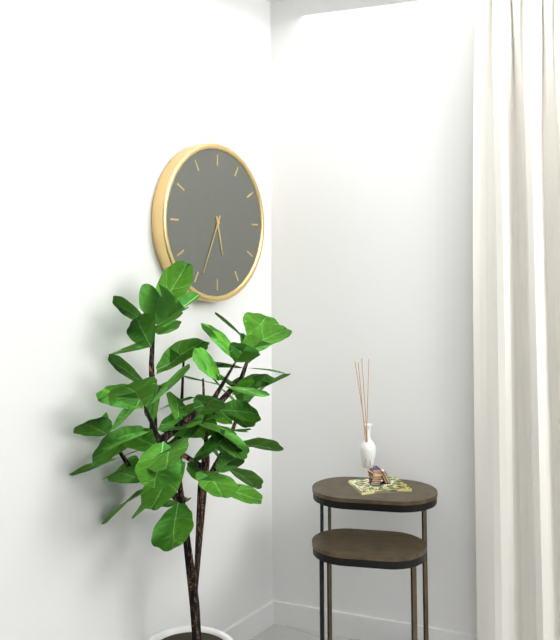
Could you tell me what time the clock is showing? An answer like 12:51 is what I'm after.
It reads 5:34
